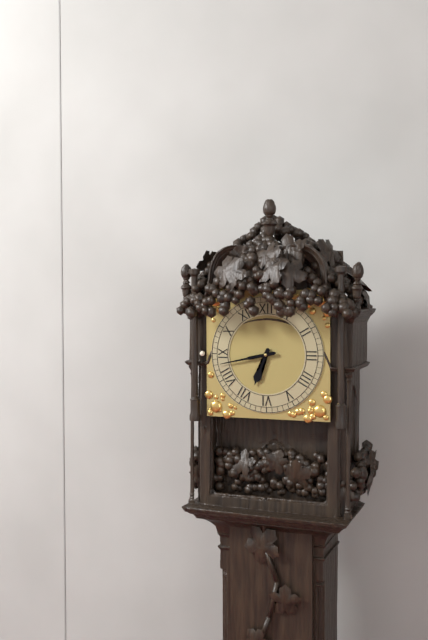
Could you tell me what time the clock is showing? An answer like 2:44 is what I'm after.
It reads 6:43
